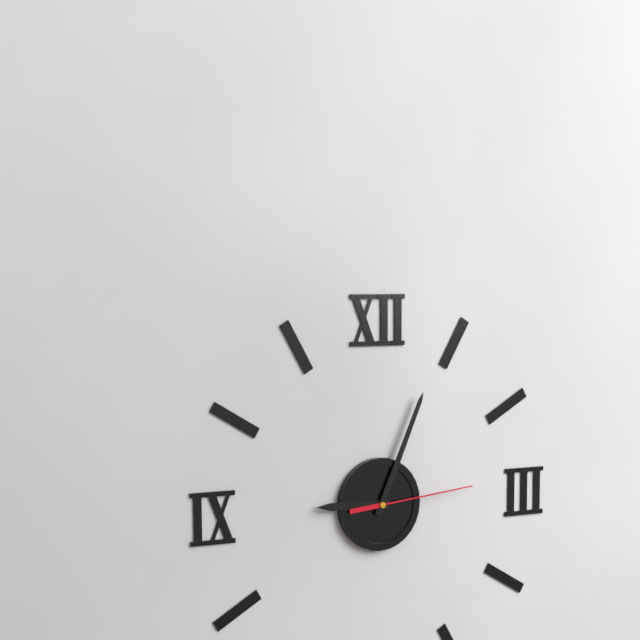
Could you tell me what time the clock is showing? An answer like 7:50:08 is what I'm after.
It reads 9:04:14
